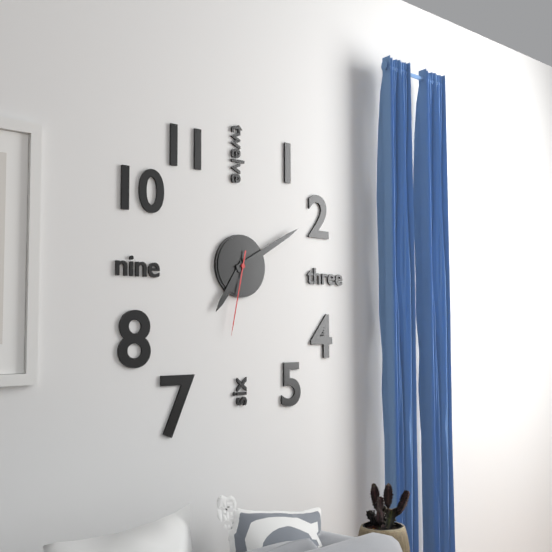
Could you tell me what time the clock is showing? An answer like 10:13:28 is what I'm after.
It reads 7:10:32
